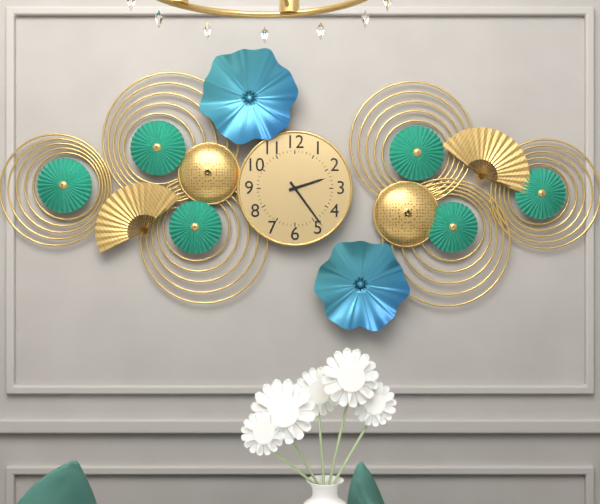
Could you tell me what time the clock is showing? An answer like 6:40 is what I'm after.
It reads 2:24
